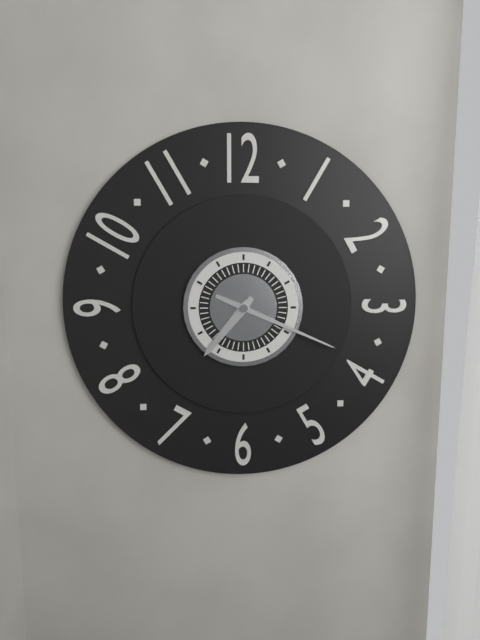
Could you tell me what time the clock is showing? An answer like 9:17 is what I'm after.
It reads 7:19
